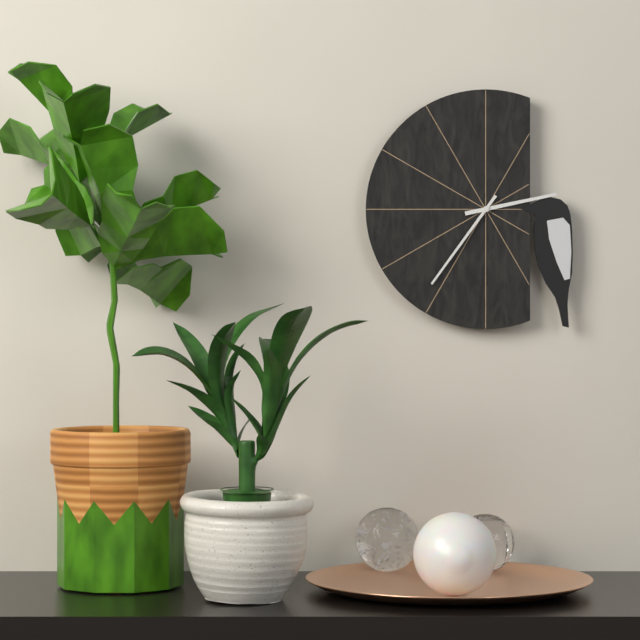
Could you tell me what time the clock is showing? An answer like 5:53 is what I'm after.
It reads 2:36
